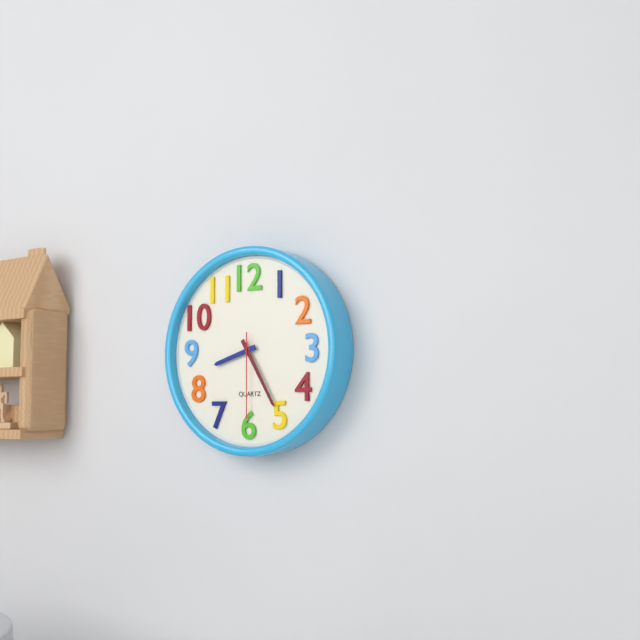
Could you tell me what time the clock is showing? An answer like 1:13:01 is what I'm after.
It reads 8:25:30
